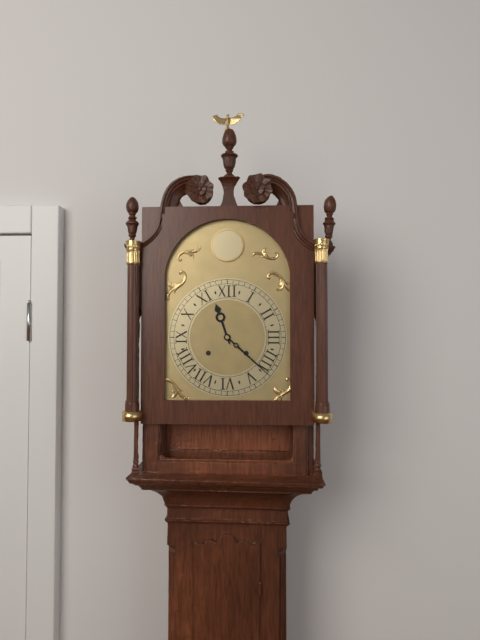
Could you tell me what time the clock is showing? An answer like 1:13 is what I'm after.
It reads 11:22
